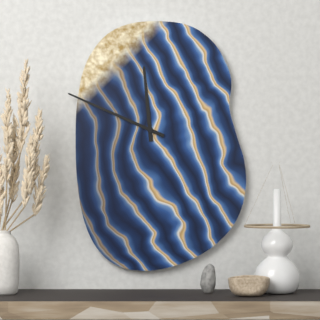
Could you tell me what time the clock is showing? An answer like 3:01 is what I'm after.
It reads 11:49
